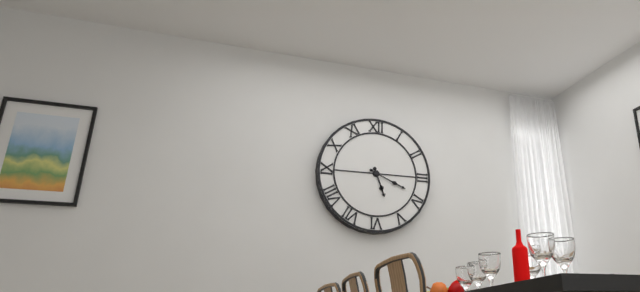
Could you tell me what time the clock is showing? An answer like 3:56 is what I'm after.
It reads 5:19
